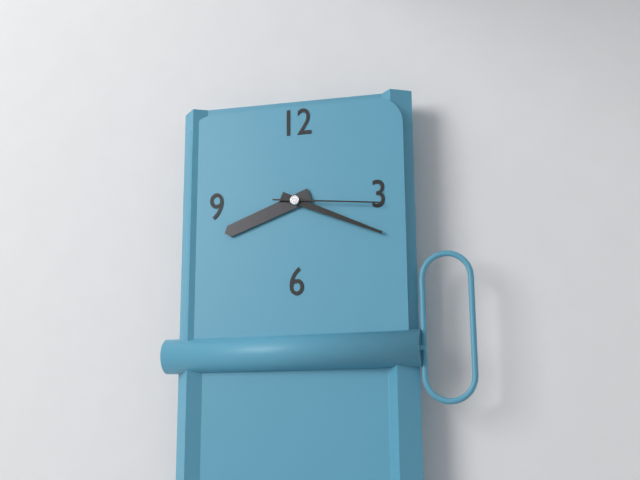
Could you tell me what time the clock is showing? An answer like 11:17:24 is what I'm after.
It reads 8:19:16
